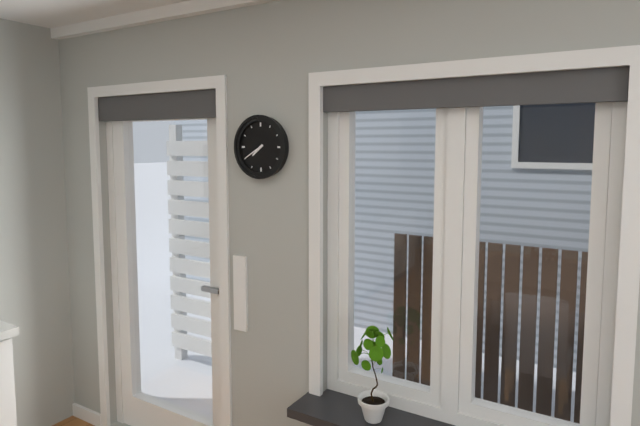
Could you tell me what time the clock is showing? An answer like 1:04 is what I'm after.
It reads 7:40
